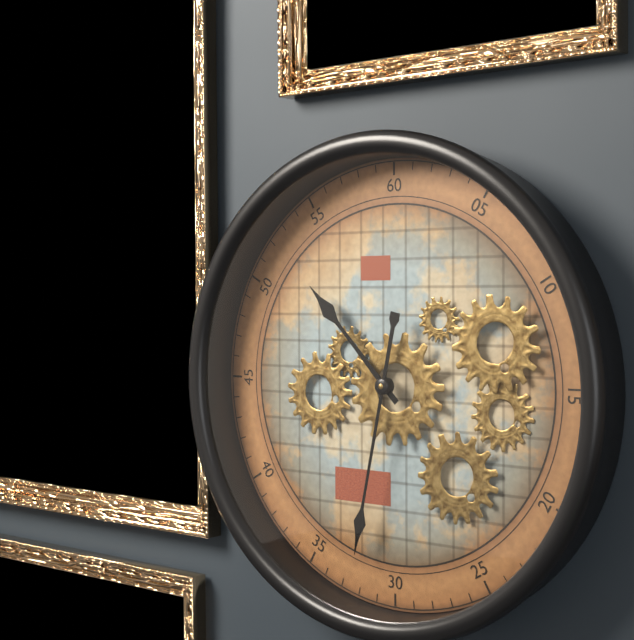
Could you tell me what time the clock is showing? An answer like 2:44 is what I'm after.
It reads 10:32
